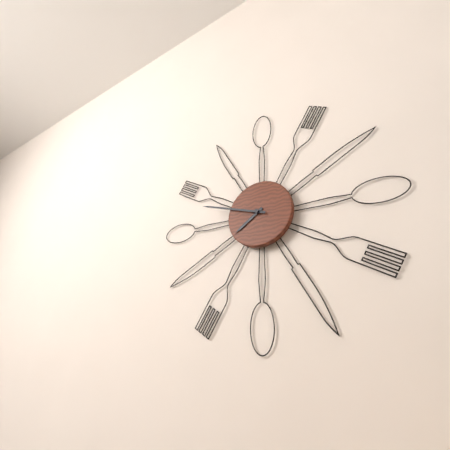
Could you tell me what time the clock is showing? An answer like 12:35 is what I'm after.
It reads 7:48
